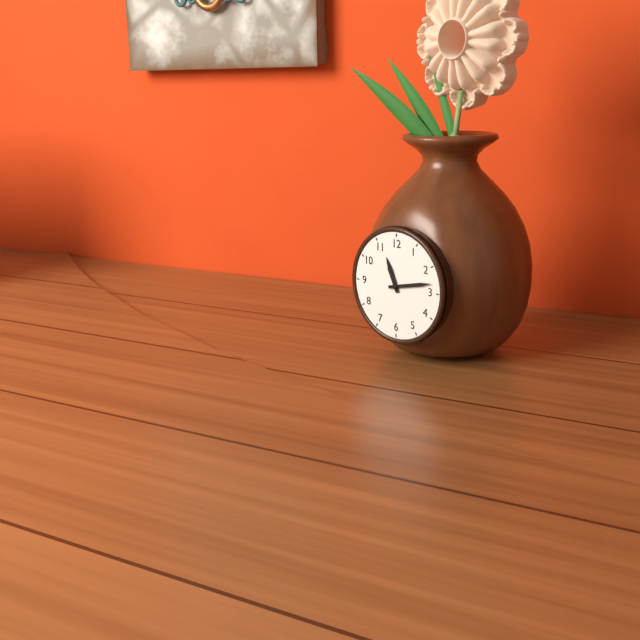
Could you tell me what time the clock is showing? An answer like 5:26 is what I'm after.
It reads 11:13
